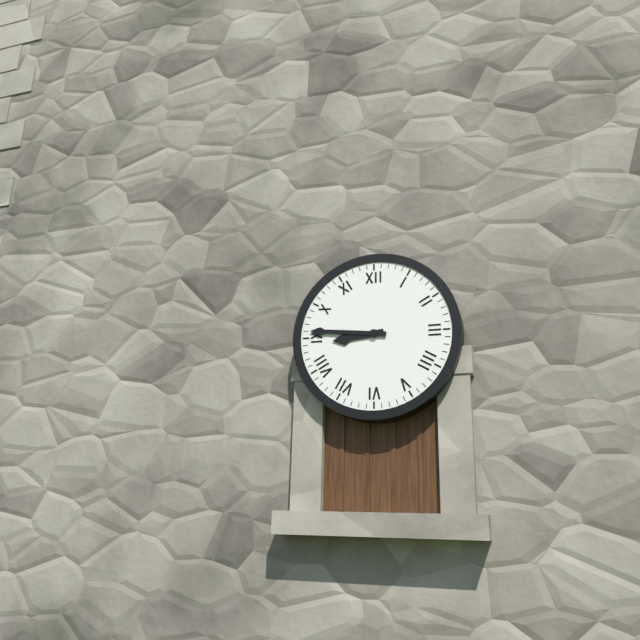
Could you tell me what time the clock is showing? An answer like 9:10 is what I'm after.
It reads 8:46
